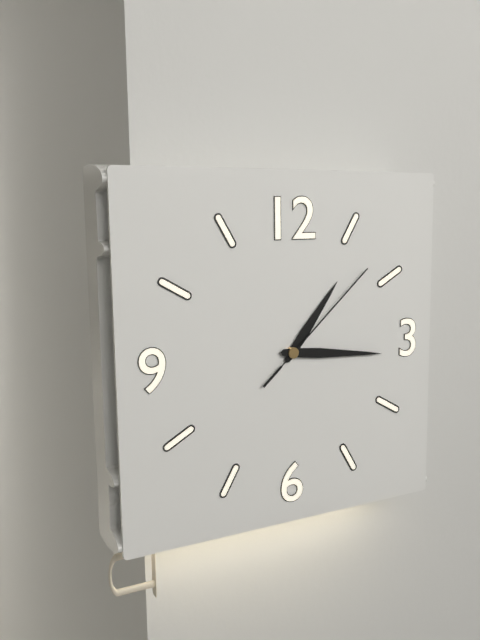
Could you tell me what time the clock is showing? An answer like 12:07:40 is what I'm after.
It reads 1:16:08
